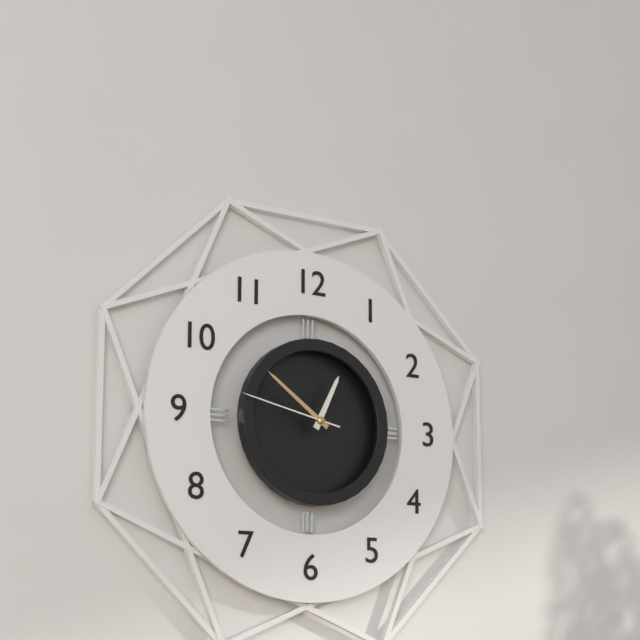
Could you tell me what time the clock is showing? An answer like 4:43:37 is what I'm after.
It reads 12:51:47
